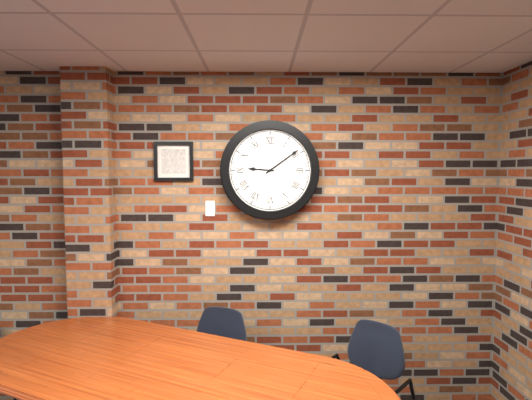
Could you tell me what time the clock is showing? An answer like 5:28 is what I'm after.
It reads 9:09
